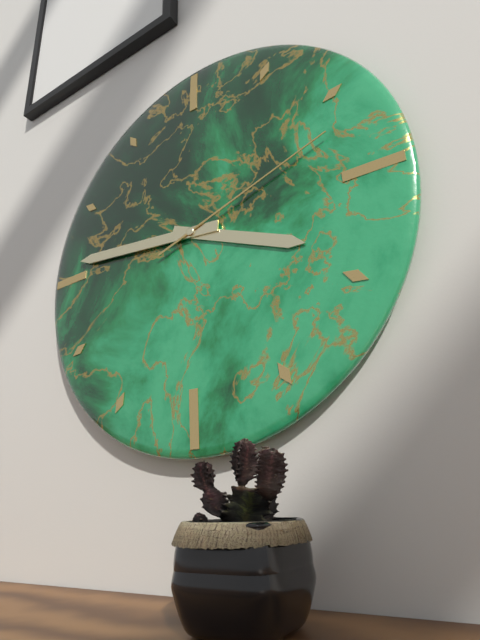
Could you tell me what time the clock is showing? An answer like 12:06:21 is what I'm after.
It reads 3:46:12
